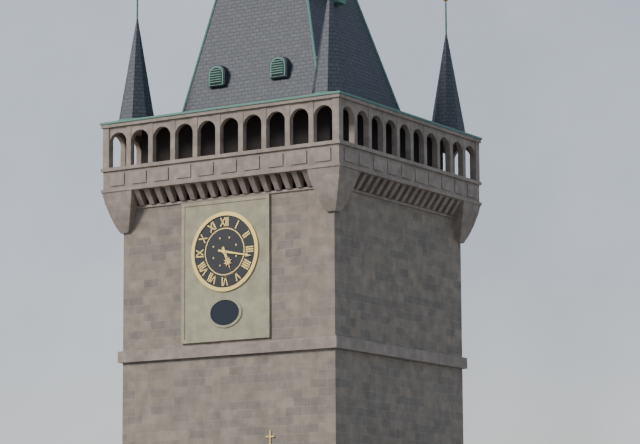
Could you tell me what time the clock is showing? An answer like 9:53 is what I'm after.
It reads 5:17
